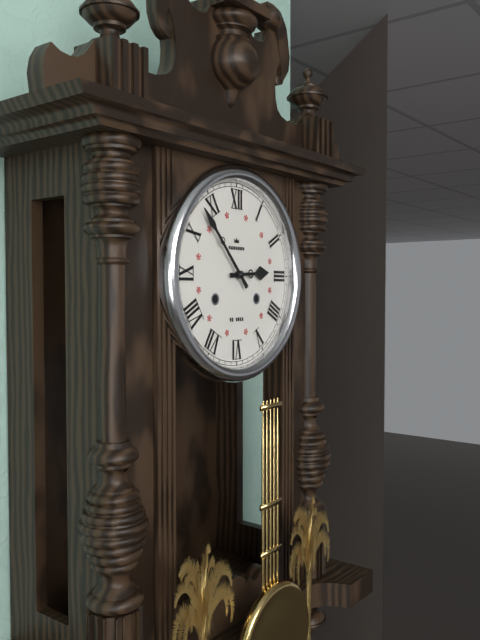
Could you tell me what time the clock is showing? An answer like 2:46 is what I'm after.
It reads 2:53
